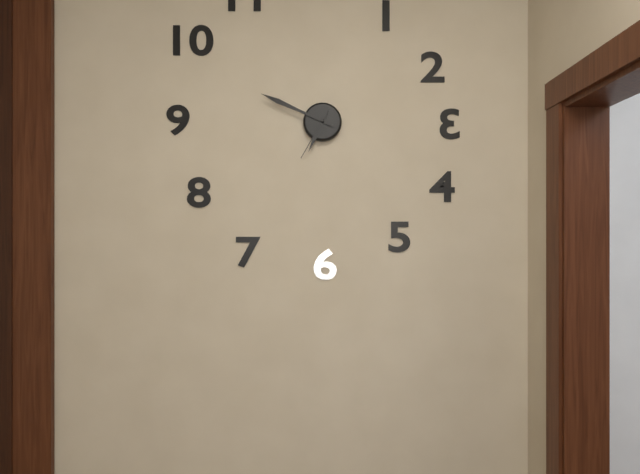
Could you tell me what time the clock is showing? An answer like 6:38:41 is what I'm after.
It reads 6:49:35
